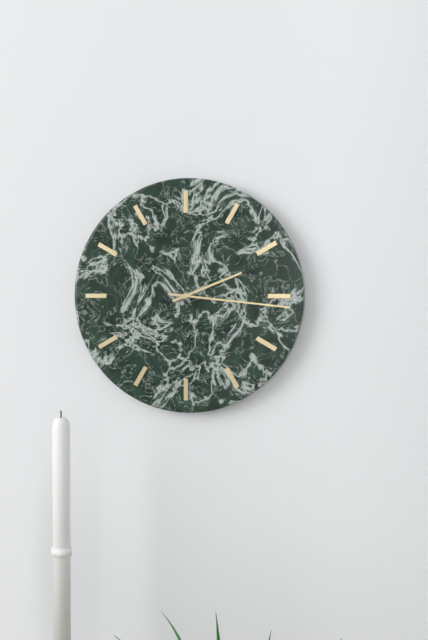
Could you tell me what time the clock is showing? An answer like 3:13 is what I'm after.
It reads 2:16
